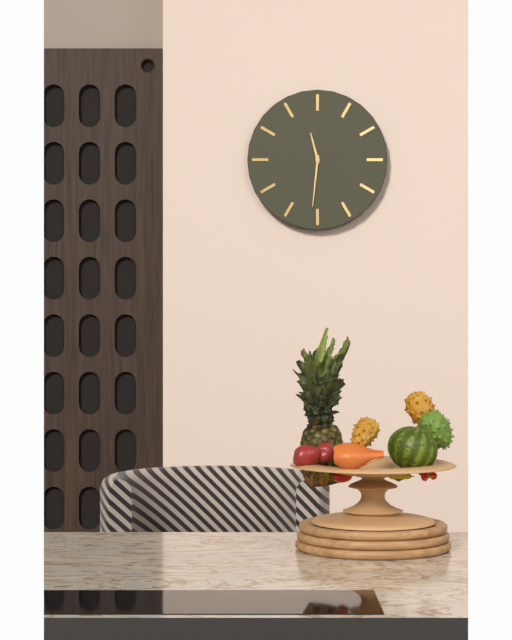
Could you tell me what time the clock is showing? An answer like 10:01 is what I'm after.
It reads 11:31
